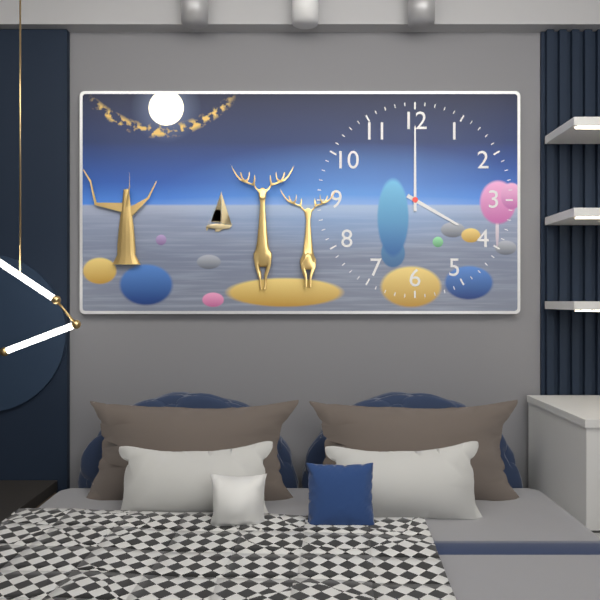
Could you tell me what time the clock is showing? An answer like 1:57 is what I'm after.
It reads 4:00
